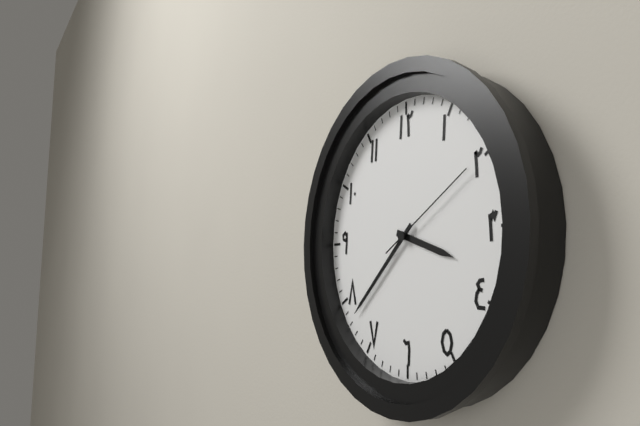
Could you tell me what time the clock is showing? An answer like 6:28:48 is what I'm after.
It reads 3:38:10
